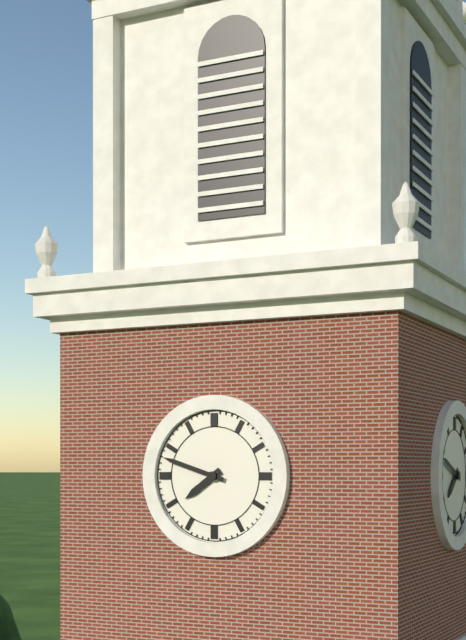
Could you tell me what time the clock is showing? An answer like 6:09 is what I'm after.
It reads 7:48
